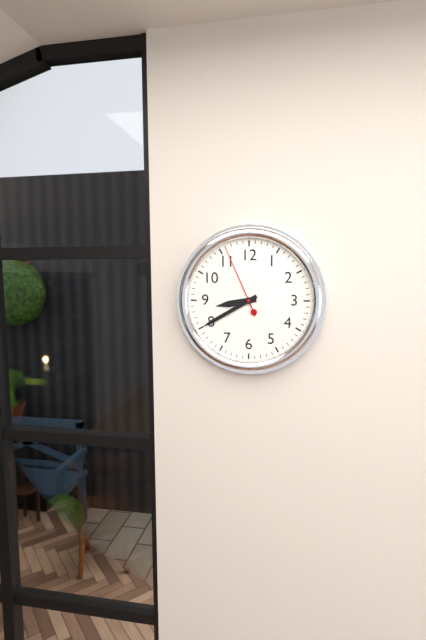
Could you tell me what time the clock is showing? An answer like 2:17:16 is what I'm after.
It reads 8:40:56
